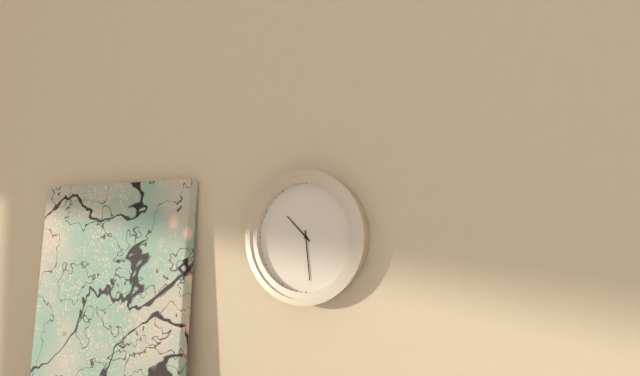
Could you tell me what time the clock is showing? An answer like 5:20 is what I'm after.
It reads 10:29
